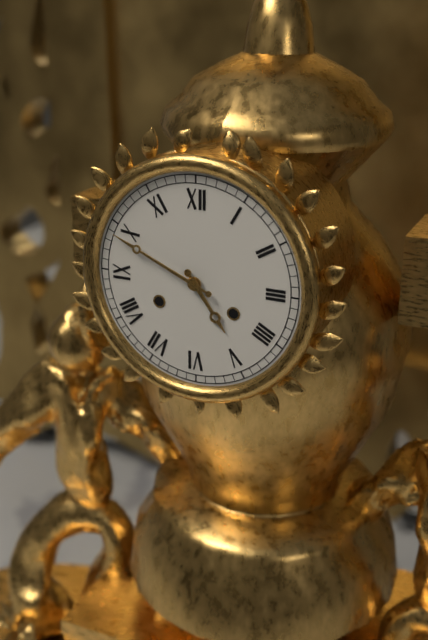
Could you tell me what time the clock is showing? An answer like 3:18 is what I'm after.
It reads 4:49
